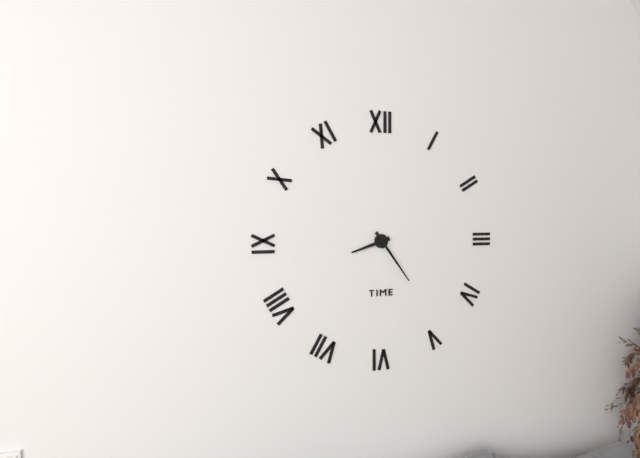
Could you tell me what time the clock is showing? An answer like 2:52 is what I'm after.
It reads 8:24
